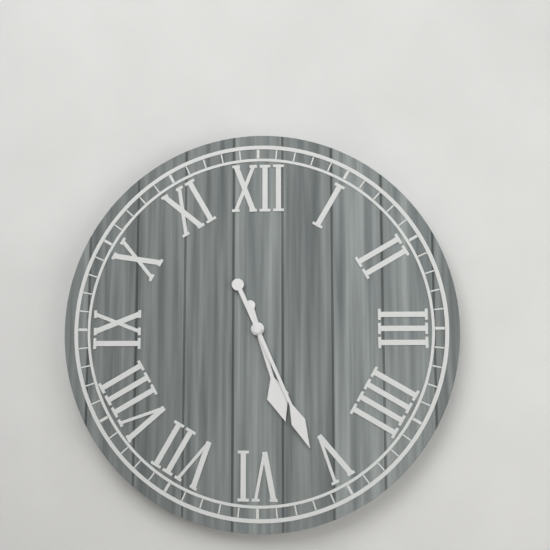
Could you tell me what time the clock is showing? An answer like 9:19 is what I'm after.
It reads 5:26
